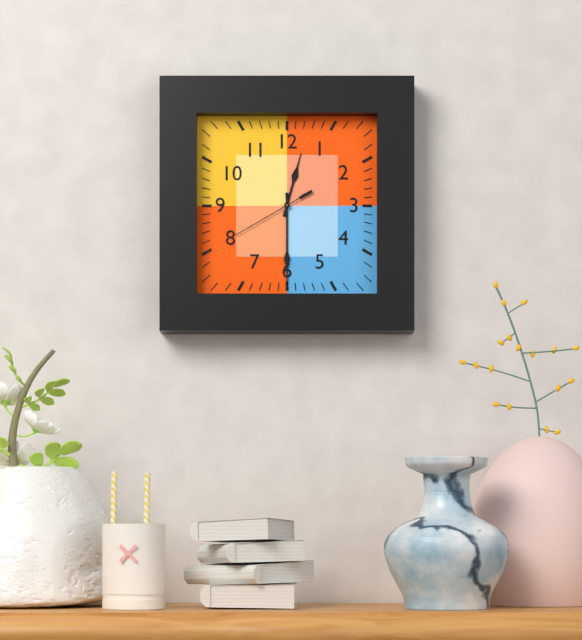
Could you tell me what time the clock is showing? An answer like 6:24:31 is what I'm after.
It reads 12:30:40
